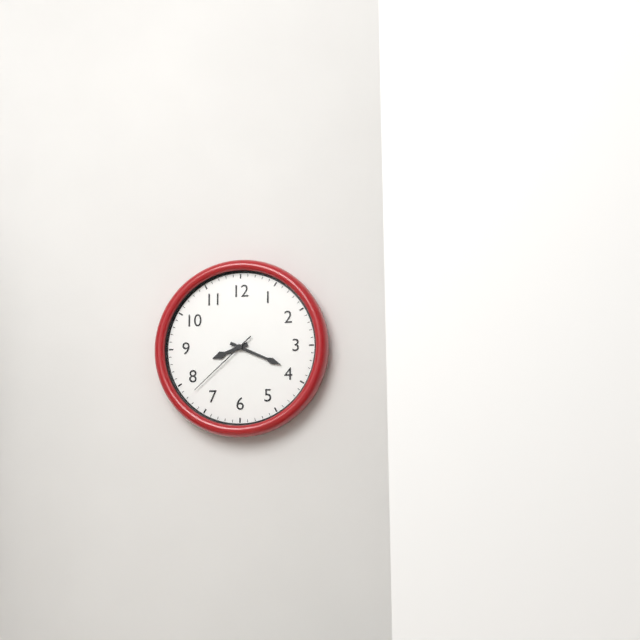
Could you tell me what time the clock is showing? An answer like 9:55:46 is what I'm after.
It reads 8:19:38
